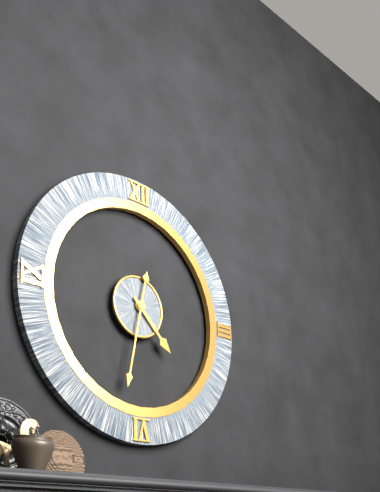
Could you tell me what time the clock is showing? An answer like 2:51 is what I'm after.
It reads 4:32
